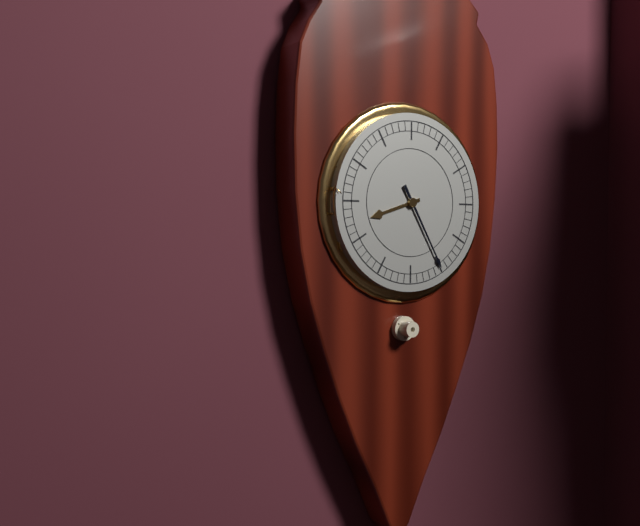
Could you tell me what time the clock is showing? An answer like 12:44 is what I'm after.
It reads 8:25
